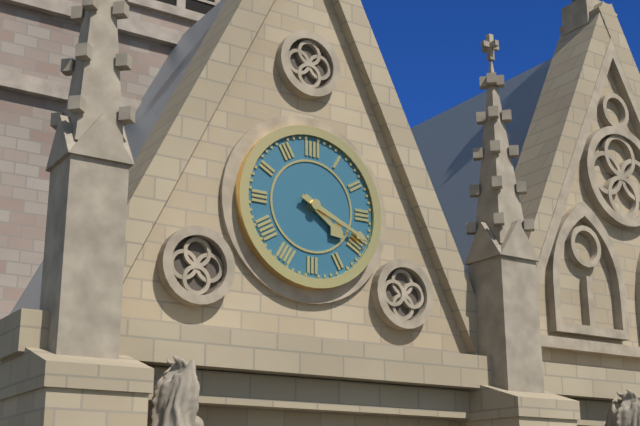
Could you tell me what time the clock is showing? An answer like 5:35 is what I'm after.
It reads 4:19
